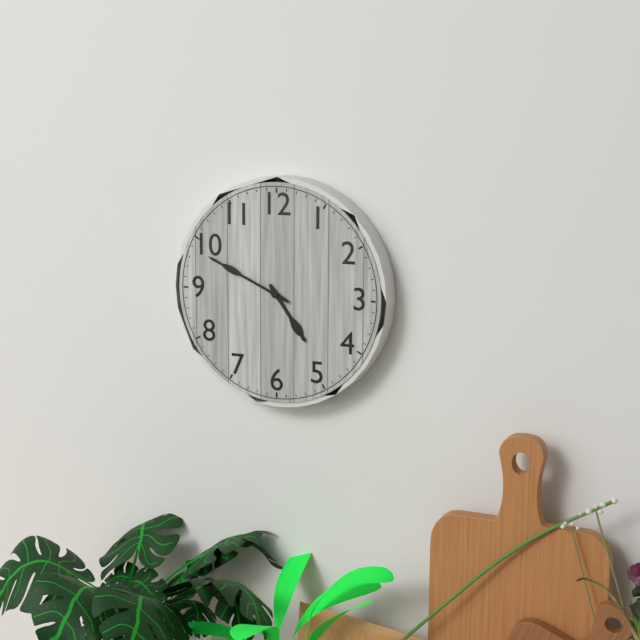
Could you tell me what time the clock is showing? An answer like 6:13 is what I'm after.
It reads 4:49
